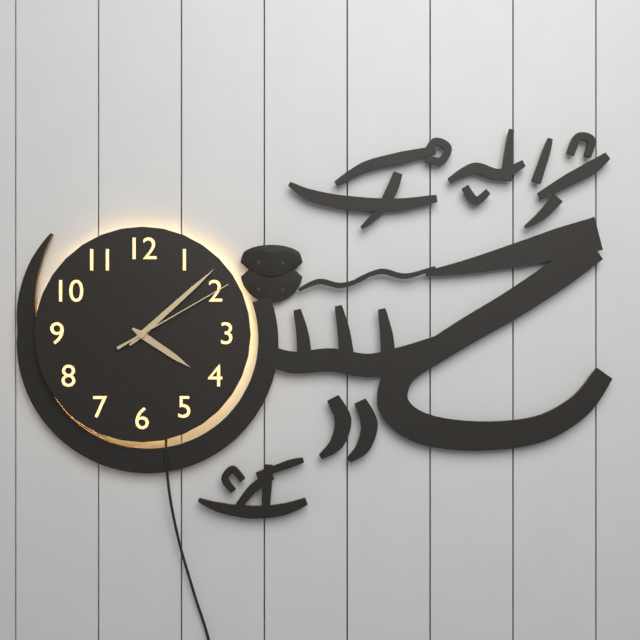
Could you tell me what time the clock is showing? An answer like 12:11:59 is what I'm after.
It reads 4:08:10
